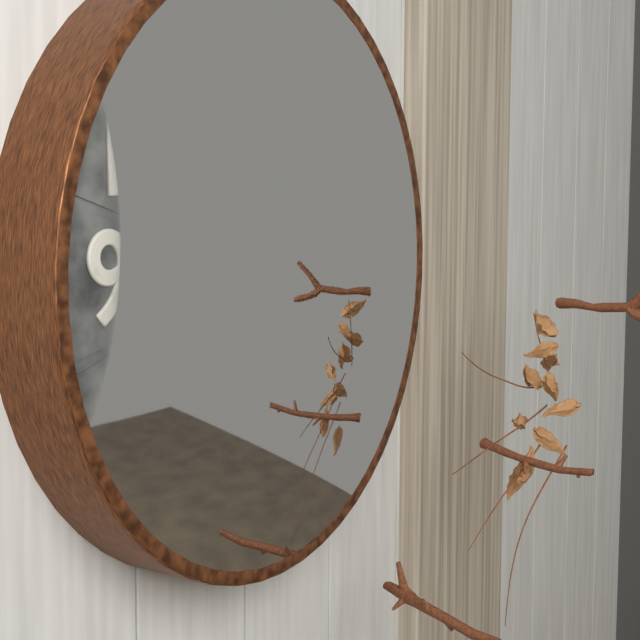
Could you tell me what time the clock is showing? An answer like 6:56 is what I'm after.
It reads 10:21
